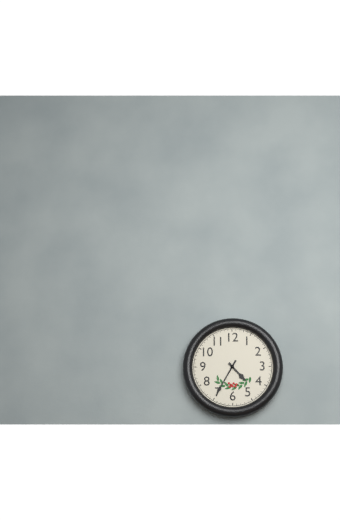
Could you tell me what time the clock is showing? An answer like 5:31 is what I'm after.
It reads 4:35
